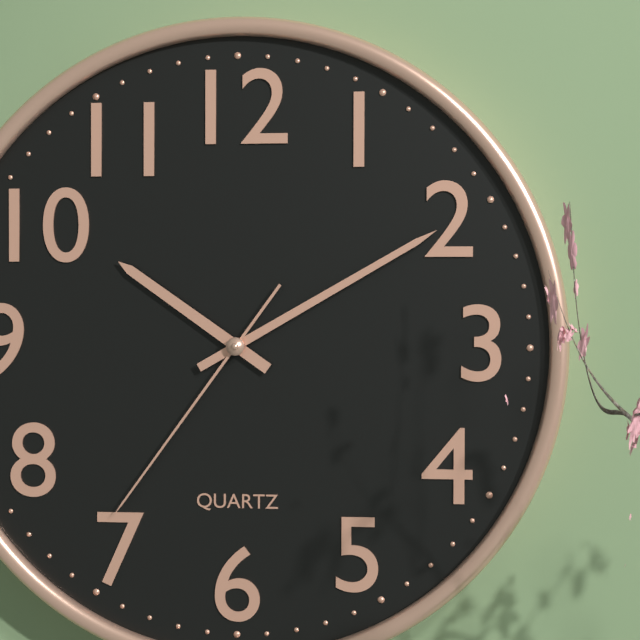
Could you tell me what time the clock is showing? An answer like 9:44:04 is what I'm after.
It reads 10:10:36
